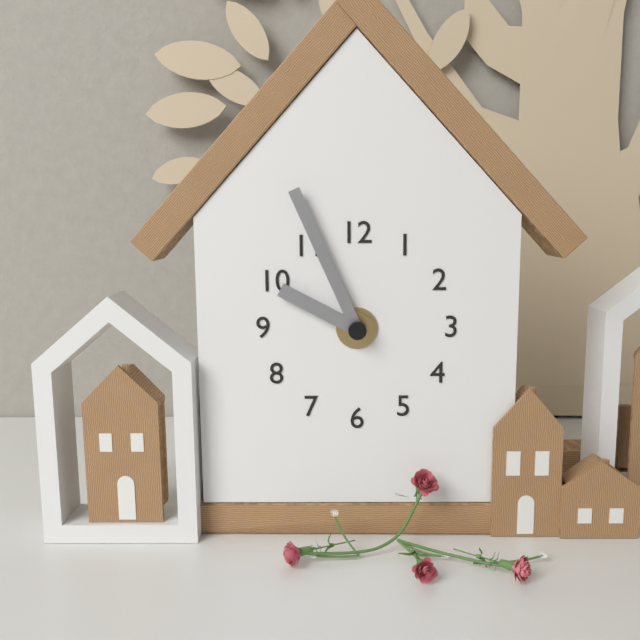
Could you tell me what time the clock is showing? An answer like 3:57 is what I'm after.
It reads 9:56
